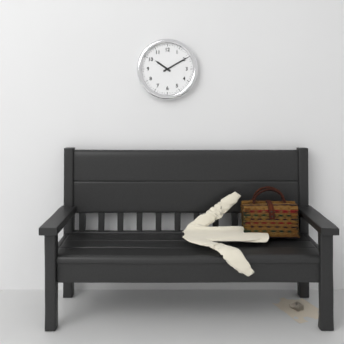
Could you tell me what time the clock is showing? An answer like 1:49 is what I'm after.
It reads 10:10
